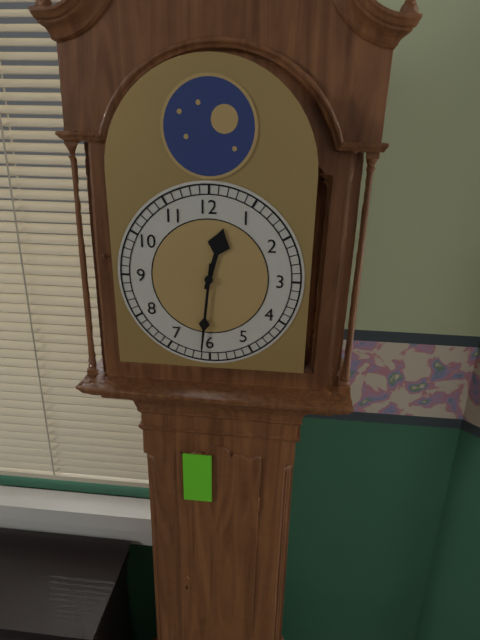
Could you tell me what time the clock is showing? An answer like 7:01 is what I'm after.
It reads 12:31
